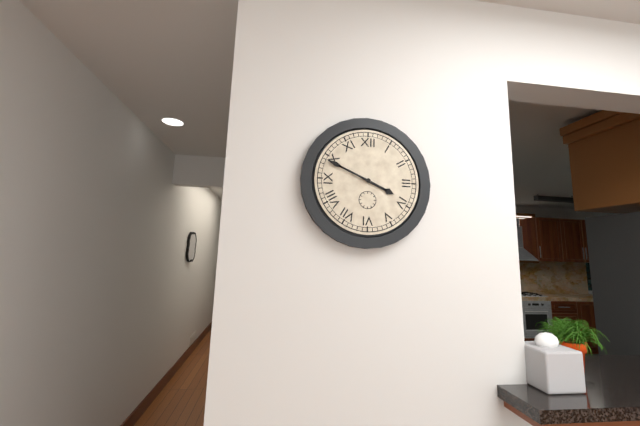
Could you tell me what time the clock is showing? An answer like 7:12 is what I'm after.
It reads 3:49
